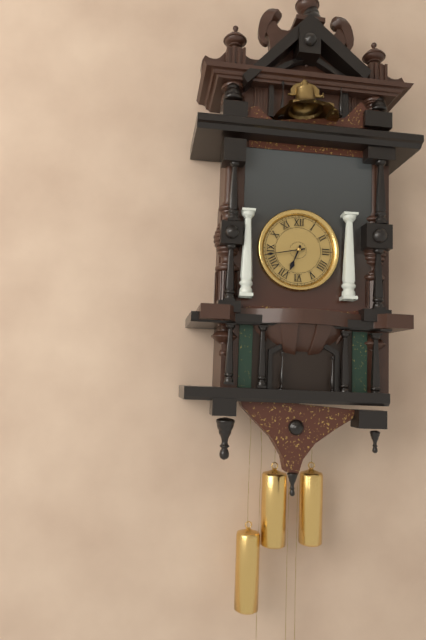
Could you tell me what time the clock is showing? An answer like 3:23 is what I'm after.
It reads 6:43
